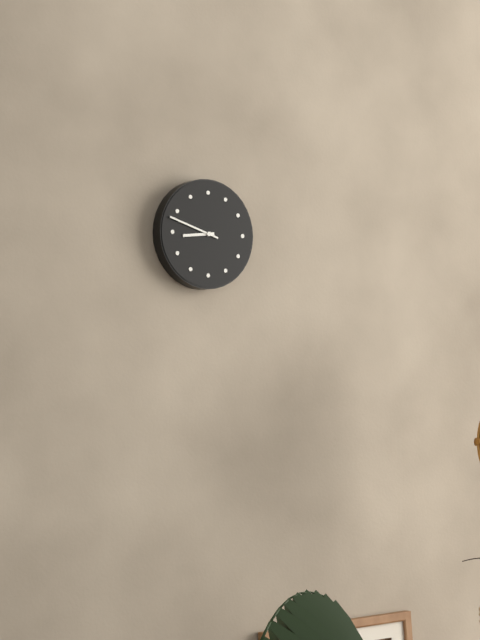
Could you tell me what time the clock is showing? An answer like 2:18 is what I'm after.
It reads 8:48
